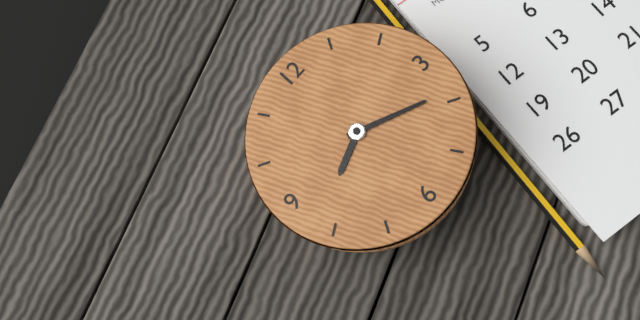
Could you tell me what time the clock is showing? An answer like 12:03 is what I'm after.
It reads 8:19
